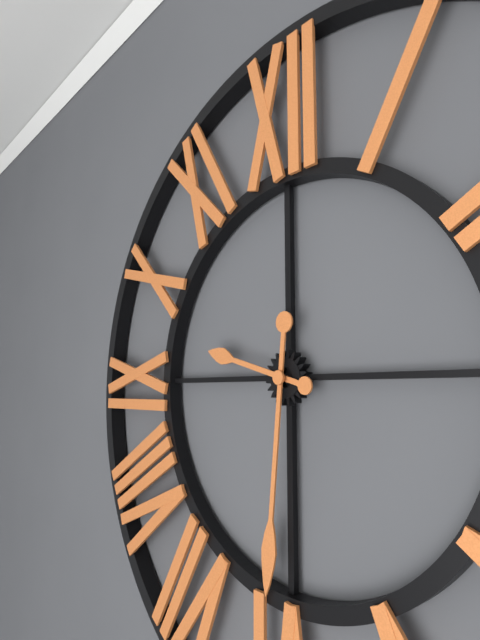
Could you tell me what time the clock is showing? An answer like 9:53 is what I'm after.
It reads 9:31
